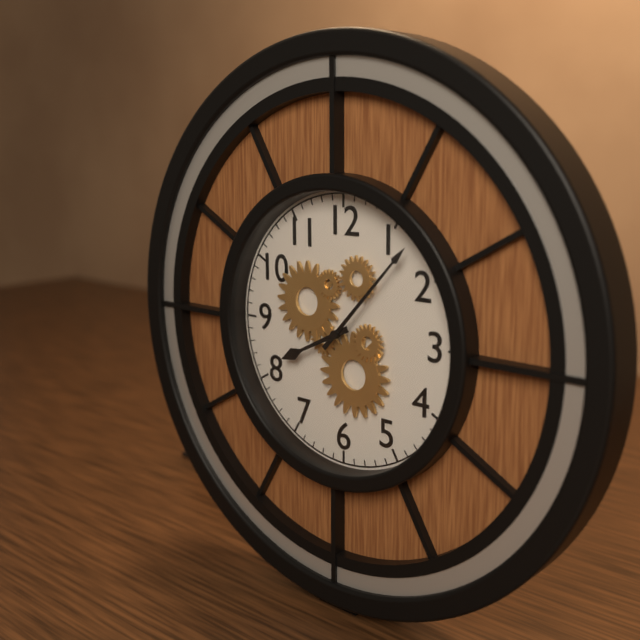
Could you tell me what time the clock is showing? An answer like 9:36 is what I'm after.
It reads 8:07
